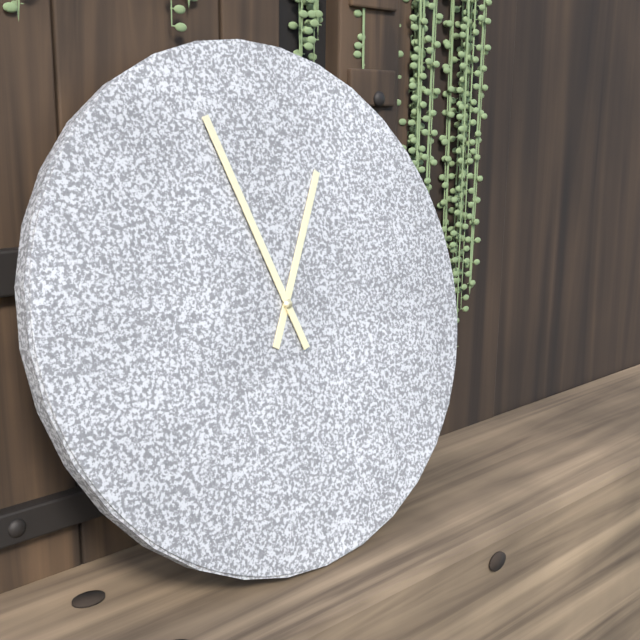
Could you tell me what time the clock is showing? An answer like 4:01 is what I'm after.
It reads 12:57
